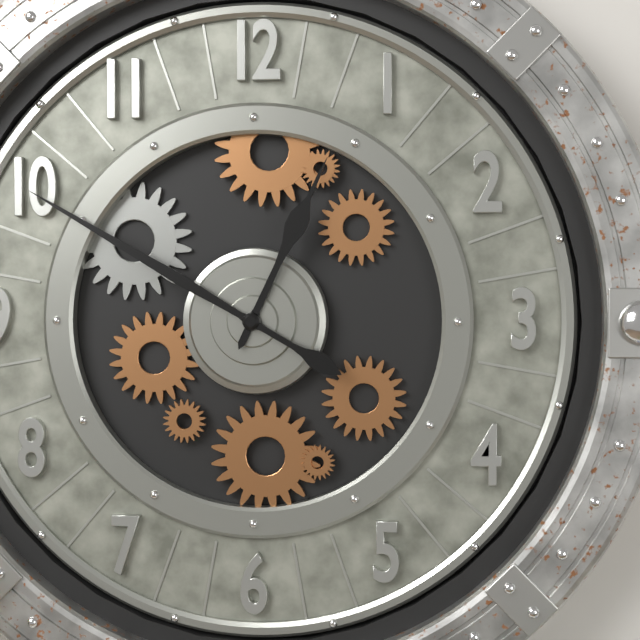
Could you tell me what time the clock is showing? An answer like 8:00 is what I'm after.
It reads 12:50
